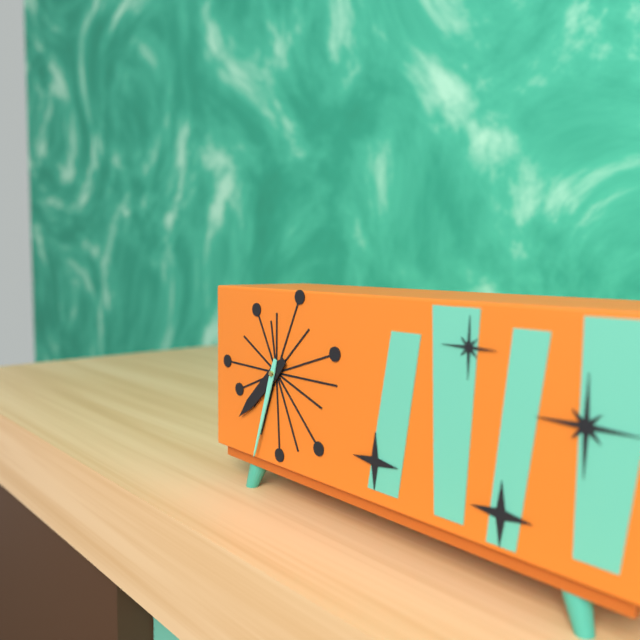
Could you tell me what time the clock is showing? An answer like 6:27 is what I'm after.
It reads 7:33
